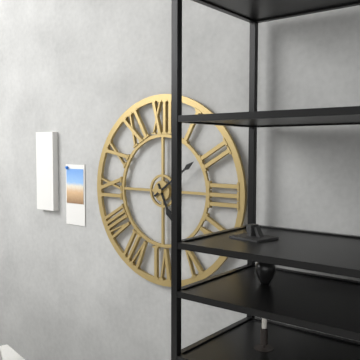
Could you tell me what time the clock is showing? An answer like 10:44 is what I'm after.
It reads 5:09
